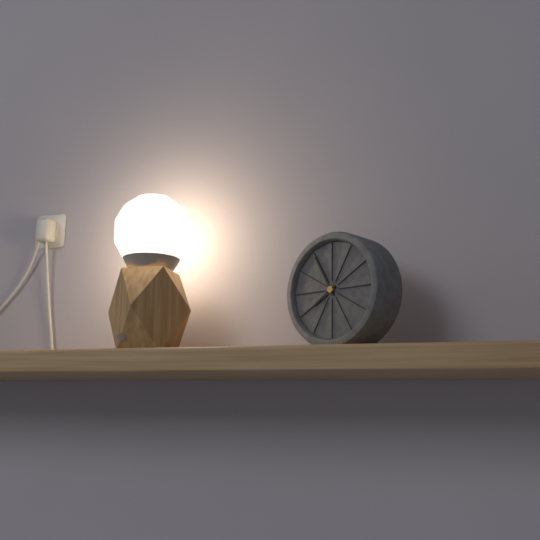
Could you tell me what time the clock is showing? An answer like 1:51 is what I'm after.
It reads 7:55
